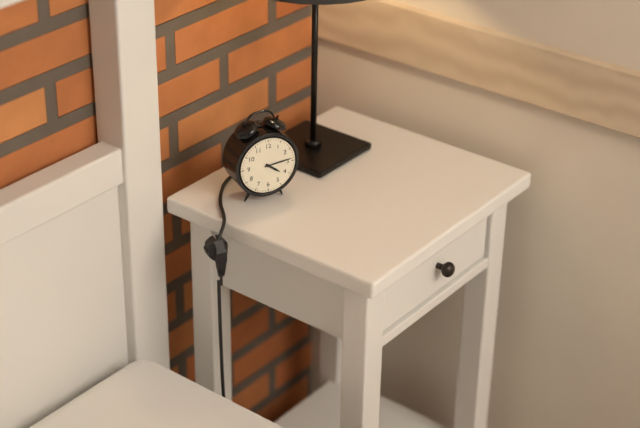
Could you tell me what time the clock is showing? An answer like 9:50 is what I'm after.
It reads 4:14
